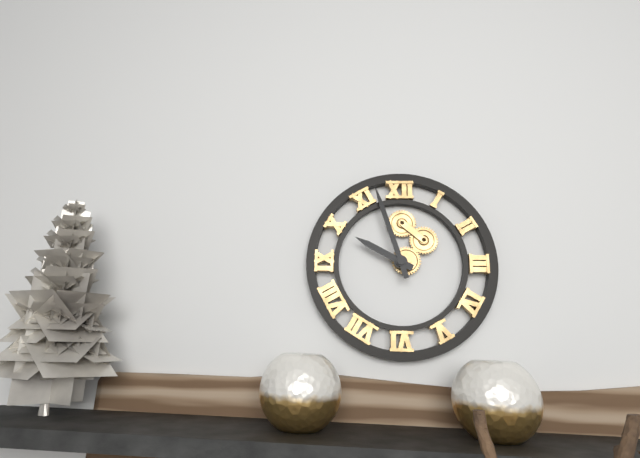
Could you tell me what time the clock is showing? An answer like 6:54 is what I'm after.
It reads 9:57
